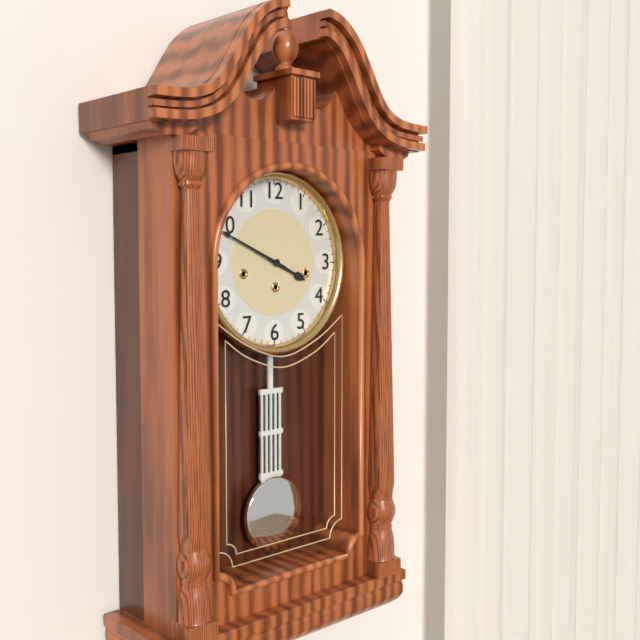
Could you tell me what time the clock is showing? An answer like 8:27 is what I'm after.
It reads 3:49
